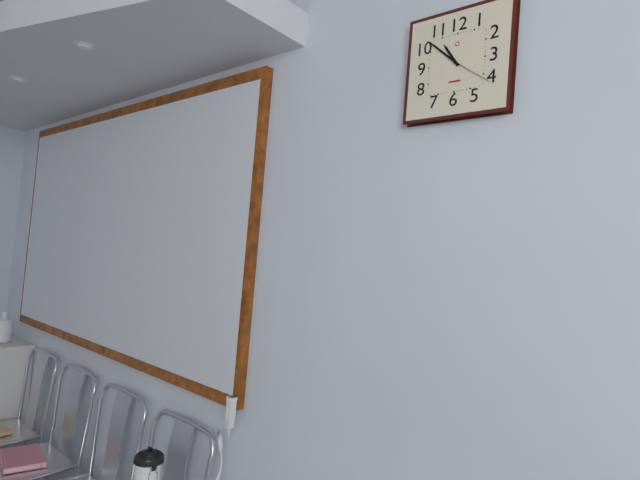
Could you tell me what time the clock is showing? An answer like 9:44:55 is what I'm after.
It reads 10:52:21
